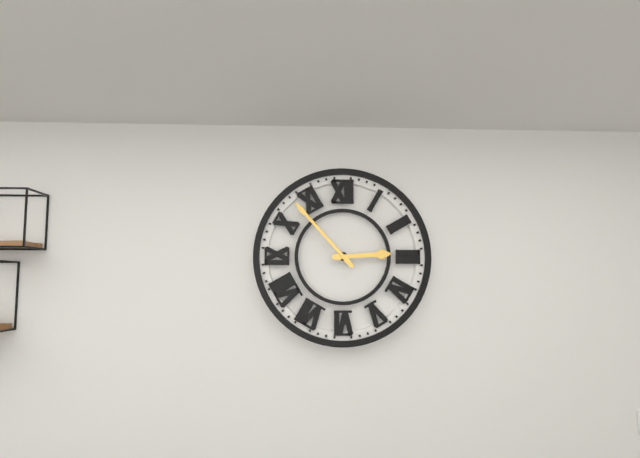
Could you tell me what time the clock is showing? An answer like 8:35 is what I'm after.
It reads 2:53
